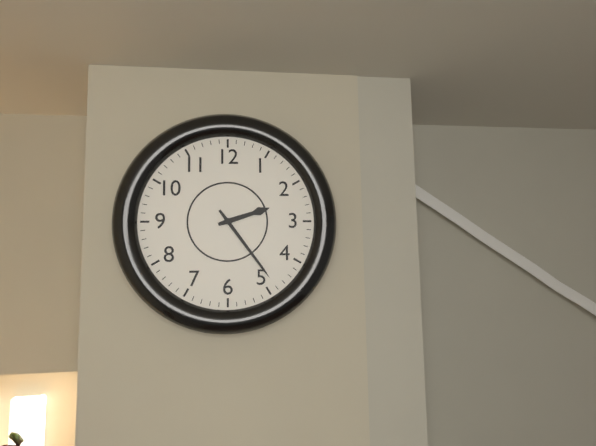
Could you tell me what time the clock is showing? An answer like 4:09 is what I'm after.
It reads 2:24
